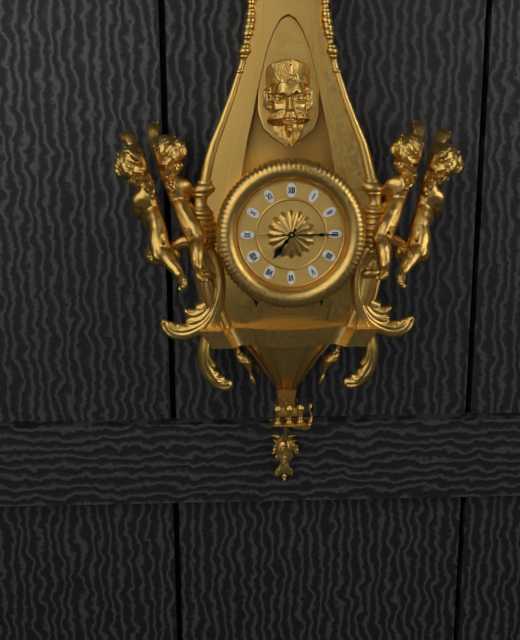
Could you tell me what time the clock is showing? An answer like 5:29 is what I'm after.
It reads 7:15
